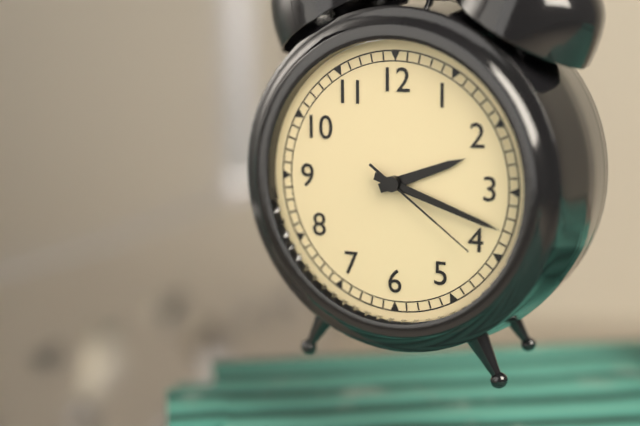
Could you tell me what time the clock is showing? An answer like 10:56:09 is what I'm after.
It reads 2:18:21
